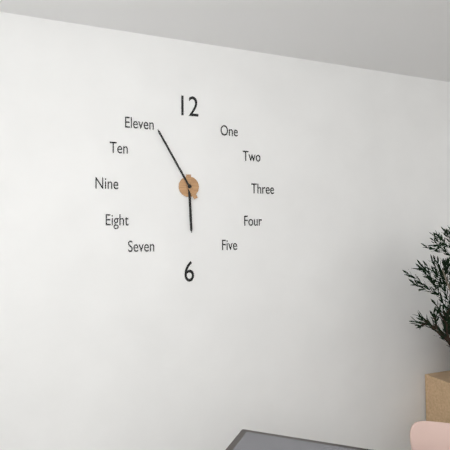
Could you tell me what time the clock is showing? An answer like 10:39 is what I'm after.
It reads 5:55
